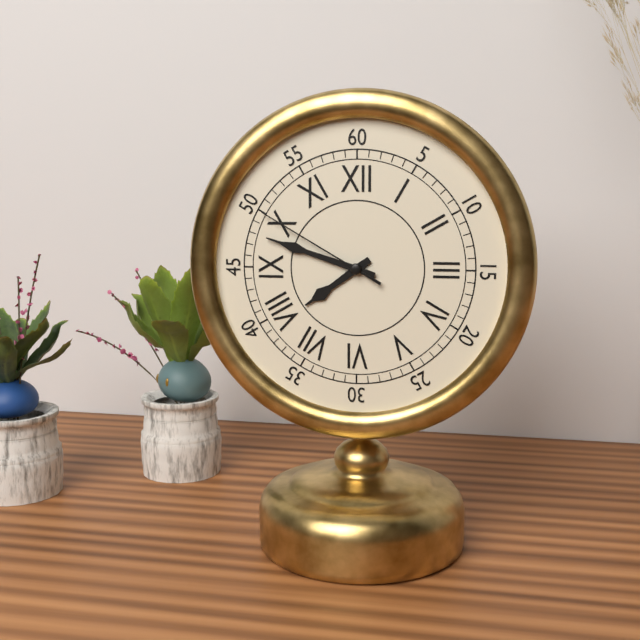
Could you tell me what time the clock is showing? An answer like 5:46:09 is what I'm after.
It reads 7:48:50
